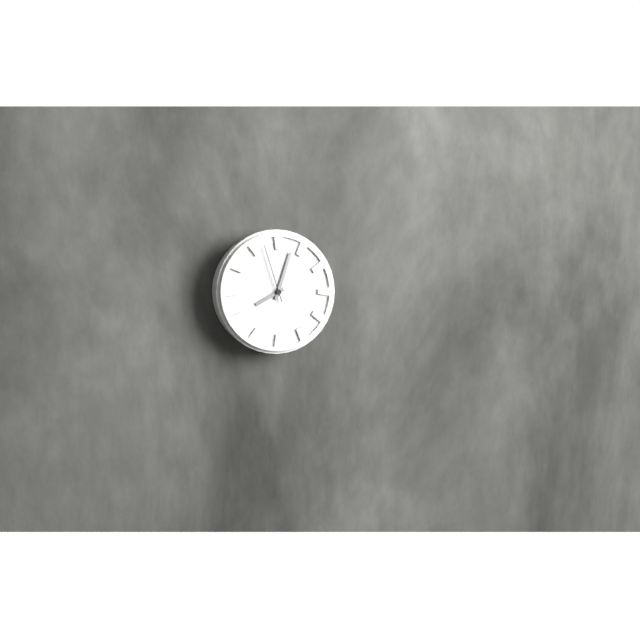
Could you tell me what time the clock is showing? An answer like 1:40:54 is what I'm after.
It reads 8:03:57
